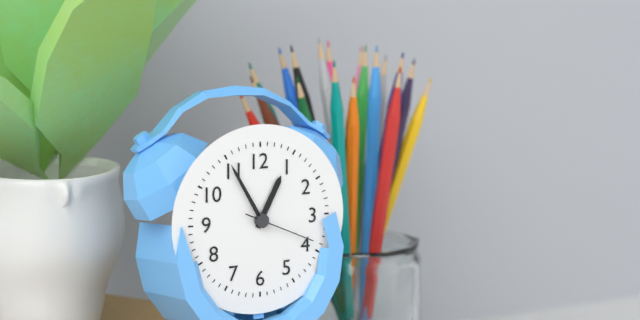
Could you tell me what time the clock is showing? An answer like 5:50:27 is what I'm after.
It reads 12:55:19
